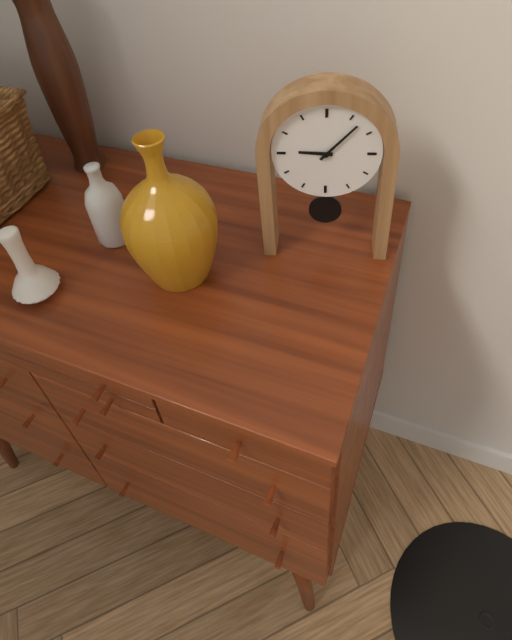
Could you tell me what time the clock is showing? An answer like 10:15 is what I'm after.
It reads 9:07
